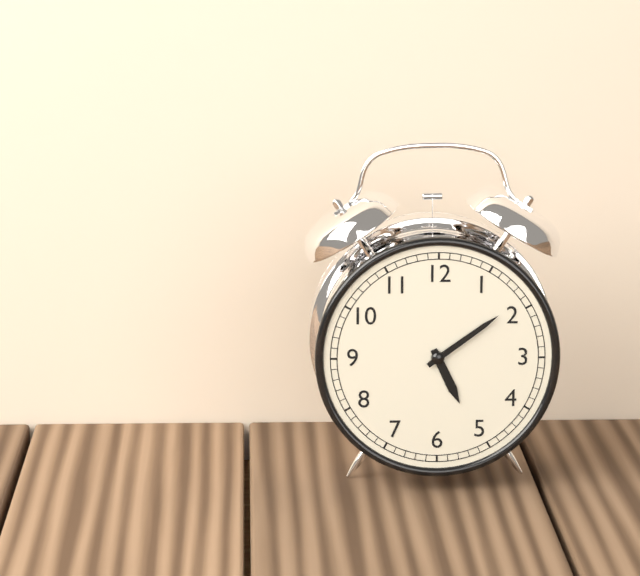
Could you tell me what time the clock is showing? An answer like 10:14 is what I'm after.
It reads 5:09
